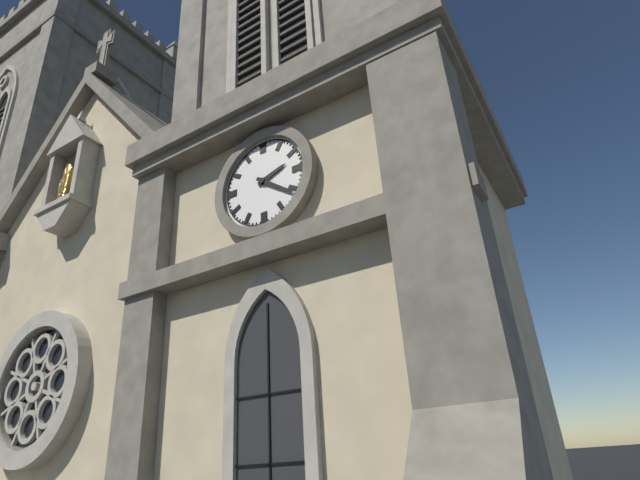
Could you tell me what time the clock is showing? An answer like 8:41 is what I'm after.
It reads 2:21
